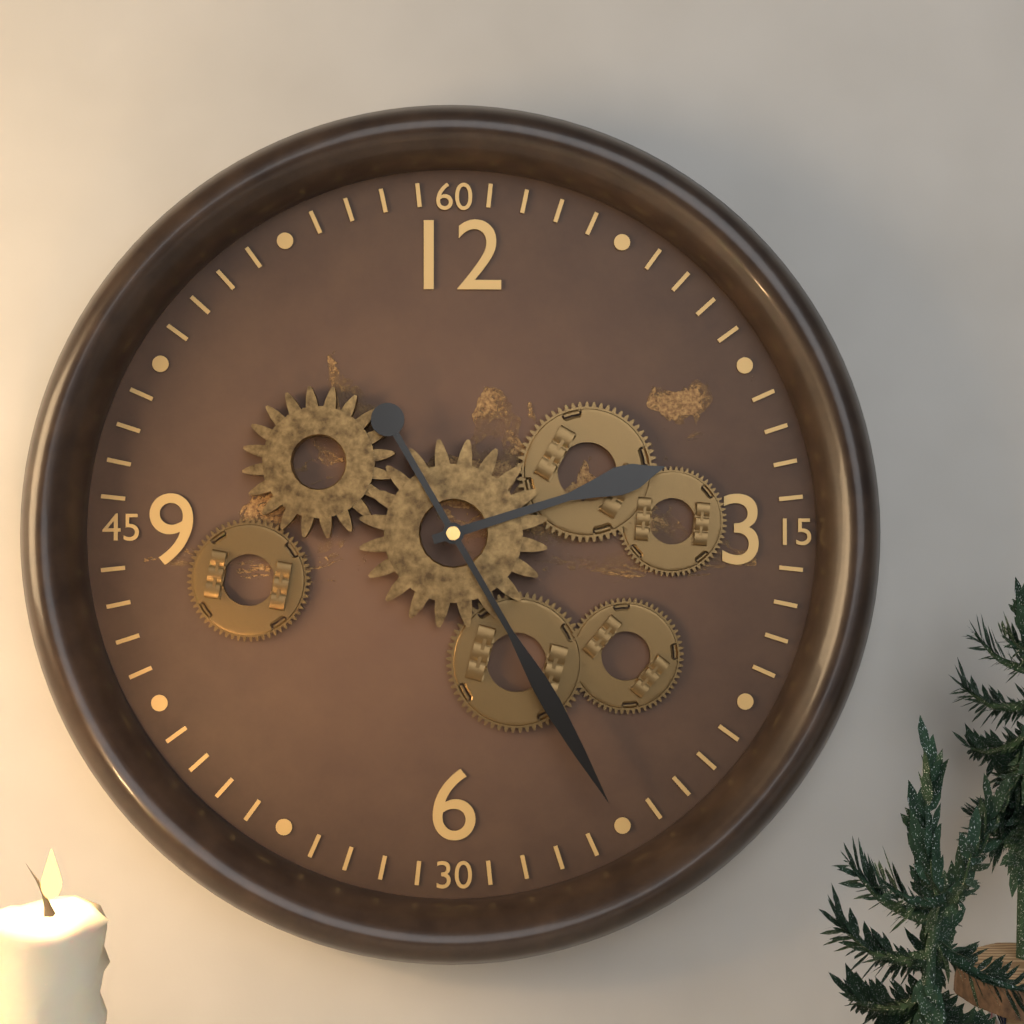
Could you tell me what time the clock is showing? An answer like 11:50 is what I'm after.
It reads 2:25
